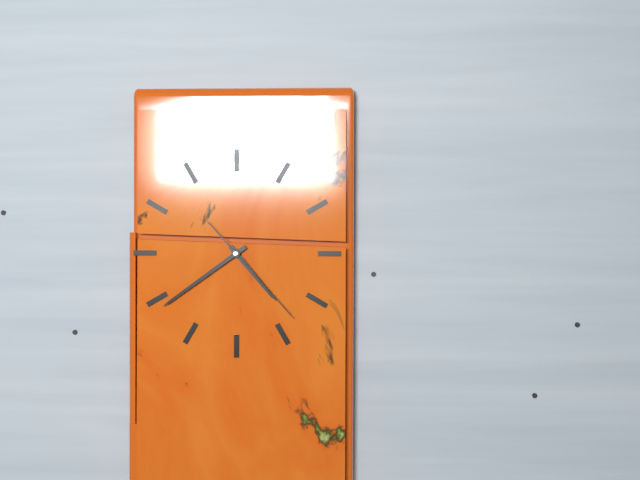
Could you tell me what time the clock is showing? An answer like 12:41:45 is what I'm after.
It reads 4:39:23
